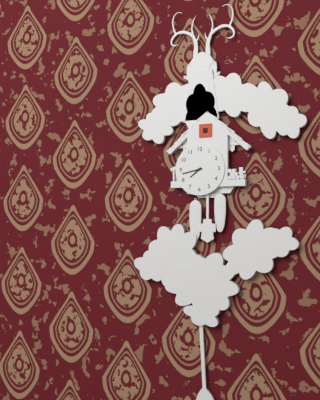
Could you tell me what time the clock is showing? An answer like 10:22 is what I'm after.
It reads 7:43
